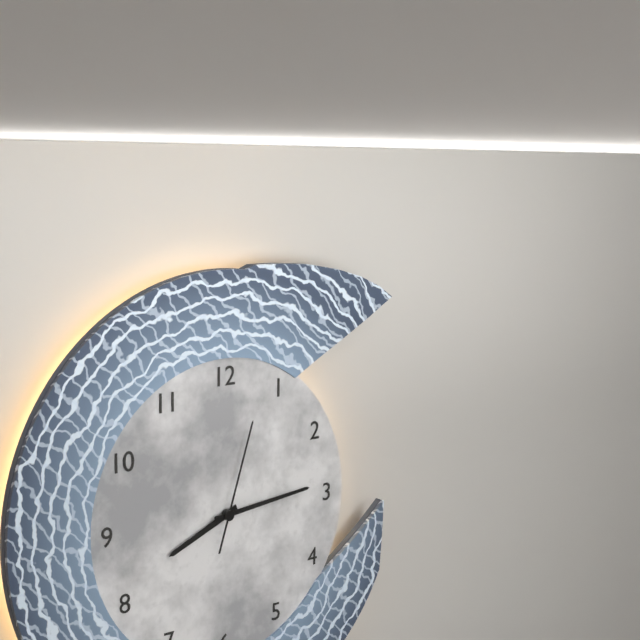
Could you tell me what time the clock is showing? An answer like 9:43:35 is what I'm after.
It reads 8:14:03
